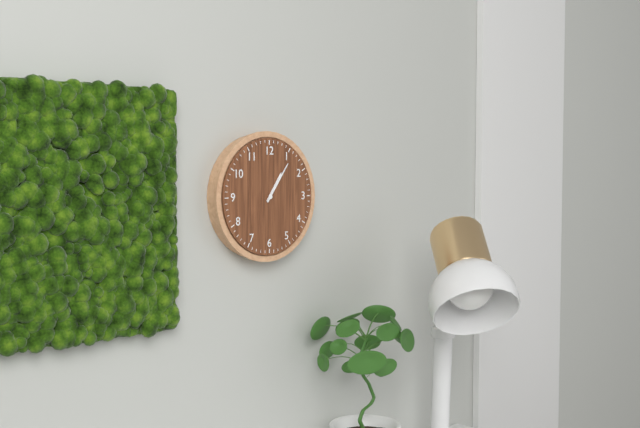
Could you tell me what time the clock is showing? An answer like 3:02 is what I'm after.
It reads 1:06
